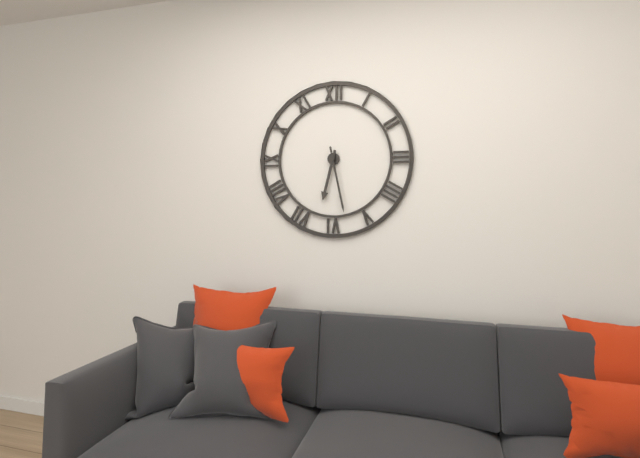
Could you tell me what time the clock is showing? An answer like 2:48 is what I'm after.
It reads 6:28
